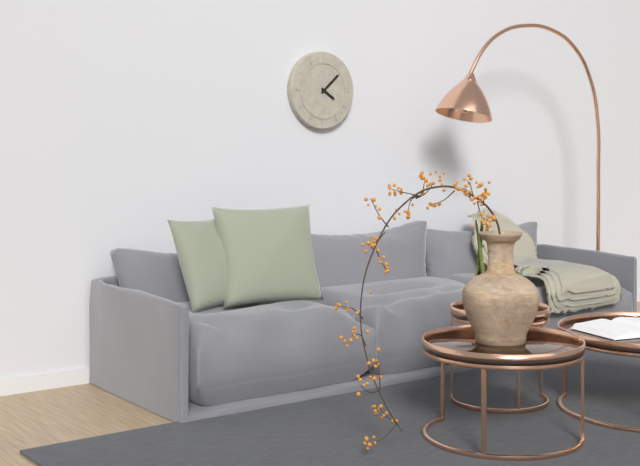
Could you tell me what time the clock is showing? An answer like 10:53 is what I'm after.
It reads 4:08
